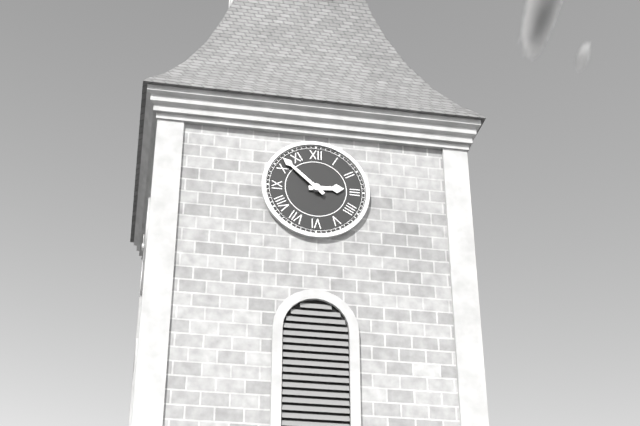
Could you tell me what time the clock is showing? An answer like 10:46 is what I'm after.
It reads 2:52
